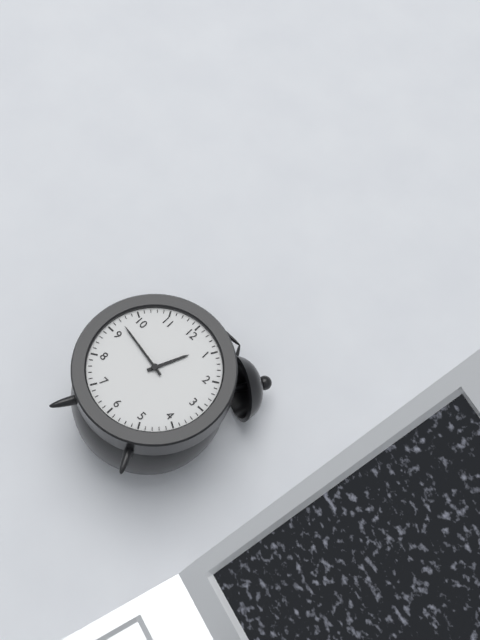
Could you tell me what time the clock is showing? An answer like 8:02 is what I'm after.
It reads 12:47
